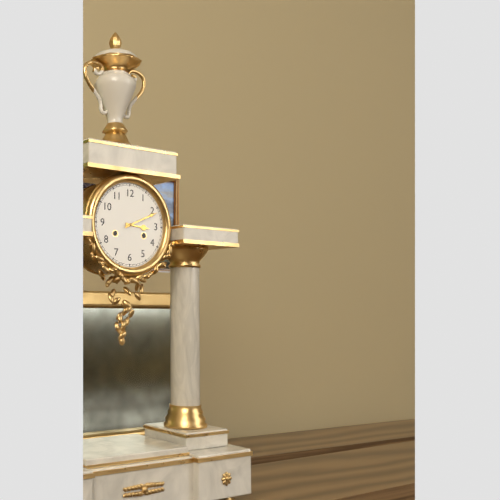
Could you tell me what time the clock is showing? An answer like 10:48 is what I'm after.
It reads 3:11
